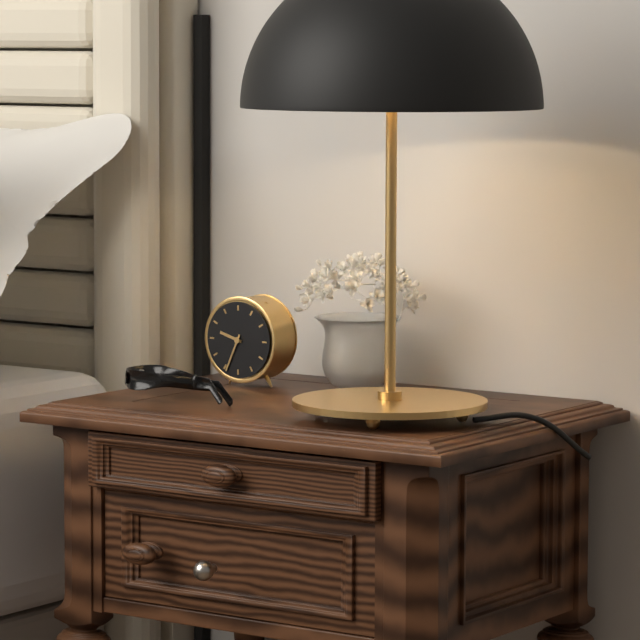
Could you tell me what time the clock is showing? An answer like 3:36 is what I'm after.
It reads 9:34
